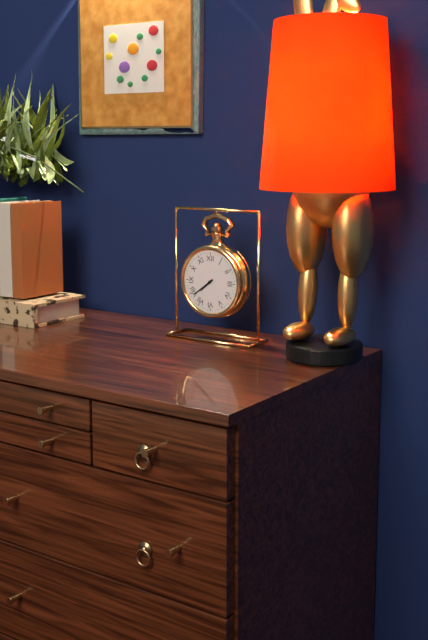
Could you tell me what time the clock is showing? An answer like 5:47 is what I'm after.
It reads 7:39
